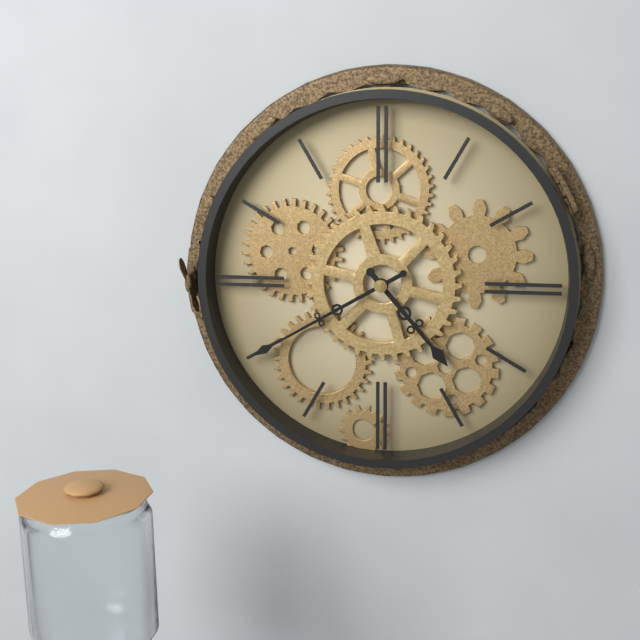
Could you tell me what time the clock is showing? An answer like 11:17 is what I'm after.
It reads 4:40
